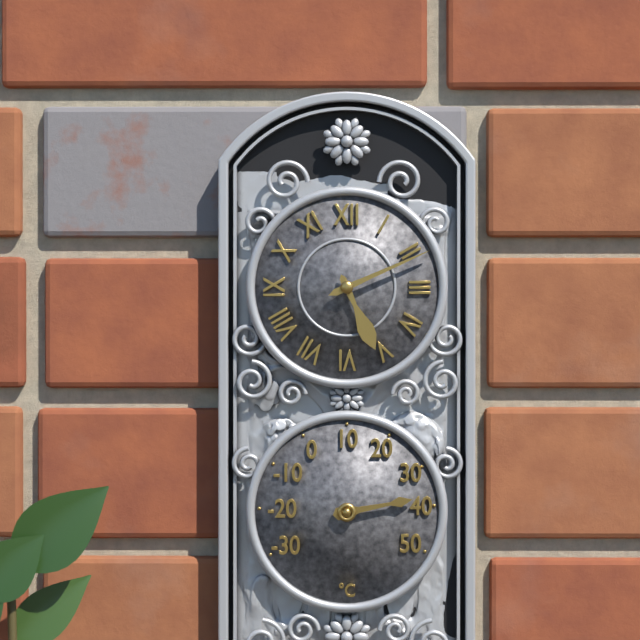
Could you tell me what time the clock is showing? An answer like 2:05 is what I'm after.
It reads 5:11
